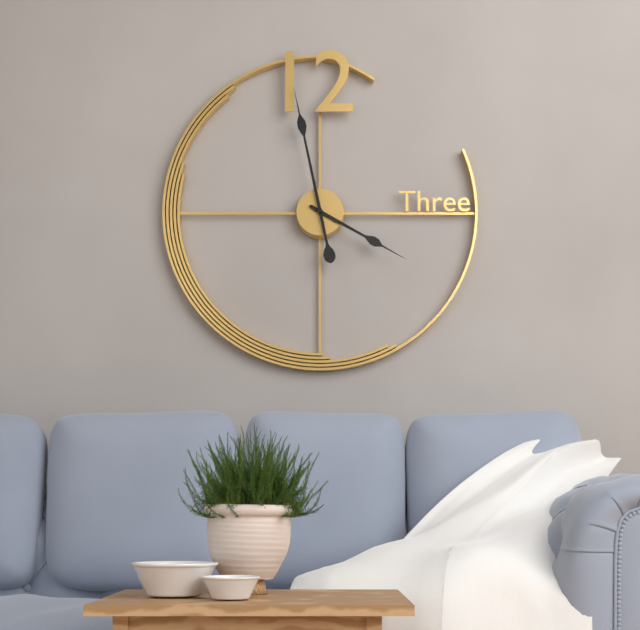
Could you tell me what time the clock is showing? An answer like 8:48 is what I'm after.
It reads 3:58
